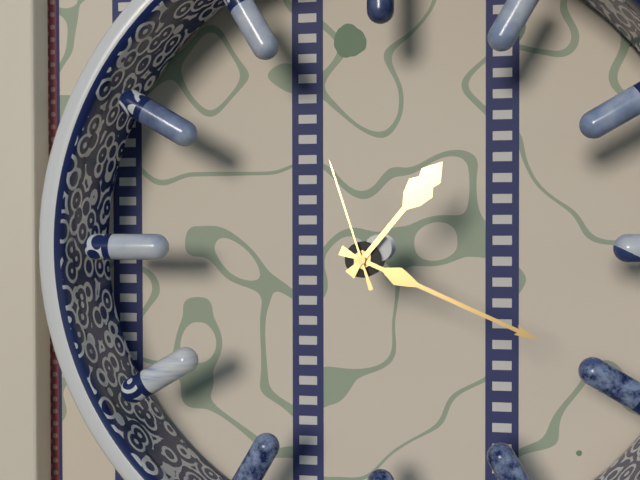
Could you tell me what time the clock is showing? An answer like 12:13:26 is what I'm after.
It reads 1:19:57
